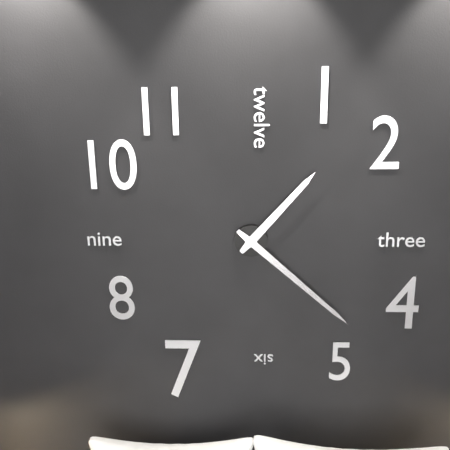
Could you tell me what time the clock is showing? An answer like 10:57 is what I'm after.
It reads 1:22
